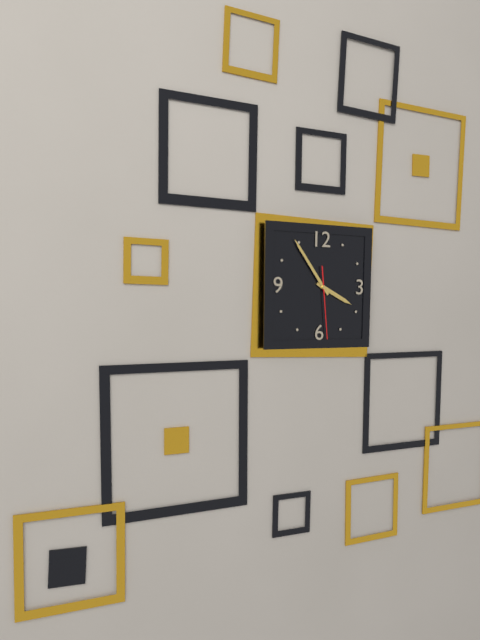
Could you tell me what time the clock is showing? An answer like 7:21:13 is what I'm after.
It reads 3:54:29
